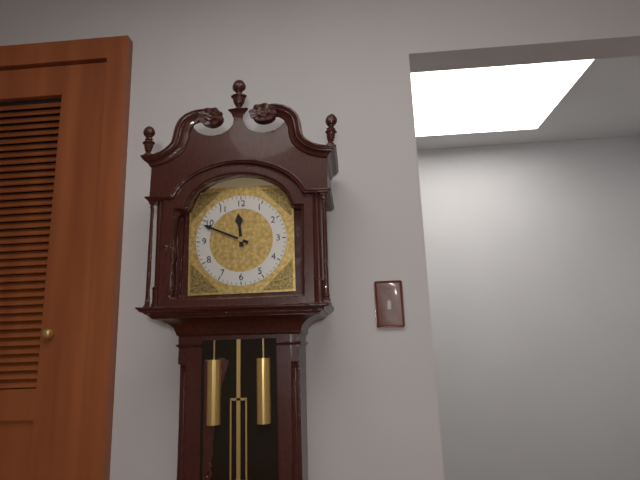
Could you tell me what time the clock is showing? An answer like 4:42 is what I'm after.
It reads 11:49
